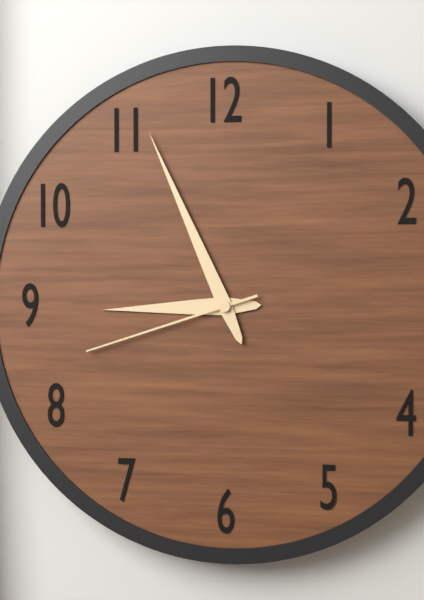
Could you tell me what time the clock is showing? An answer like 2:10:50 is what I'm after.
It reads 8:56:42
